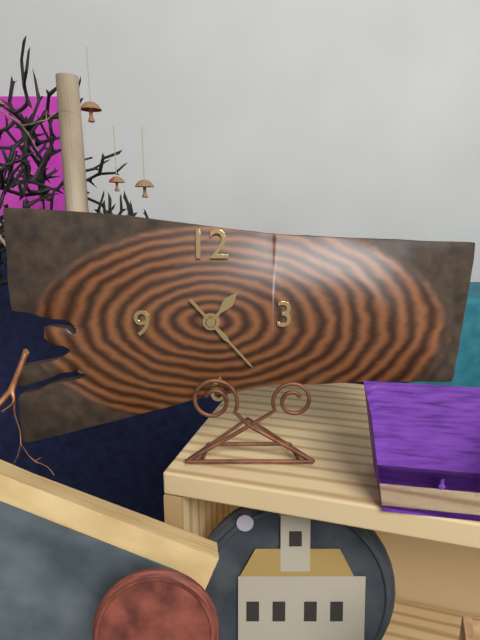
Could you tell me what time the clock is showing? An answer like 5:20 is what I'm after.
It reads 1:23
